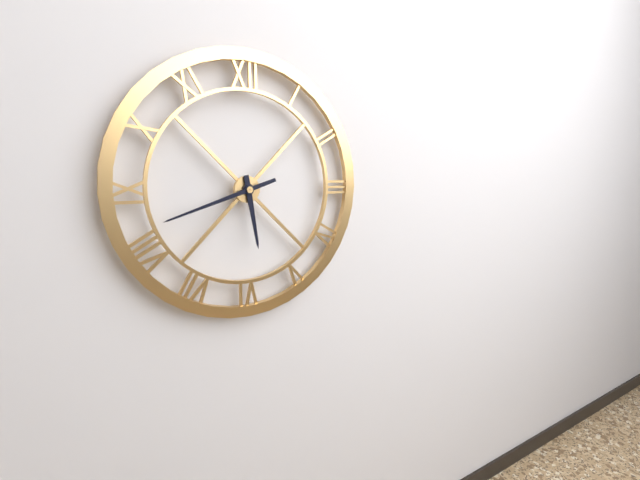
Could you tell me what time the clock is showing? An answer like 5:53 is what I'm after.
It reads 5:42
